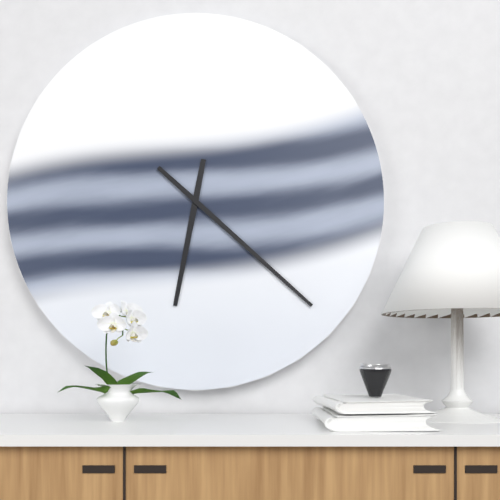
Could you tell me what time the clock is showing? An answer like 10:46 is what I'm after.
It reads 6:22
